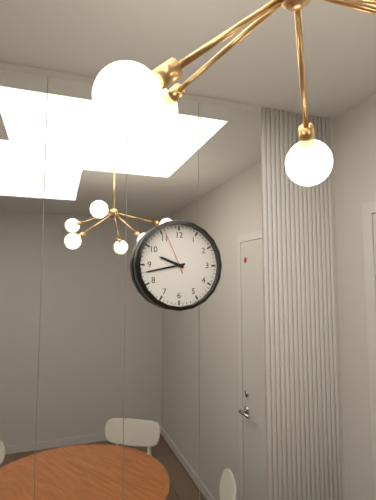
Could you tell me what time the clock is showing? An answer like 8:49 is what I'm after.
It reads 9:43
